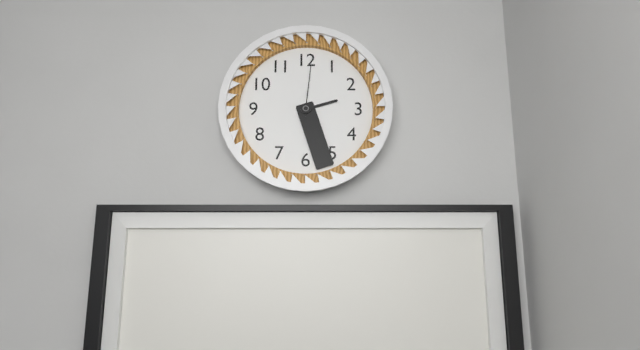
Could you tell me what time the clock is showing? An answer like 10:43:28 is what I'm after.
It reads 2:27:01
